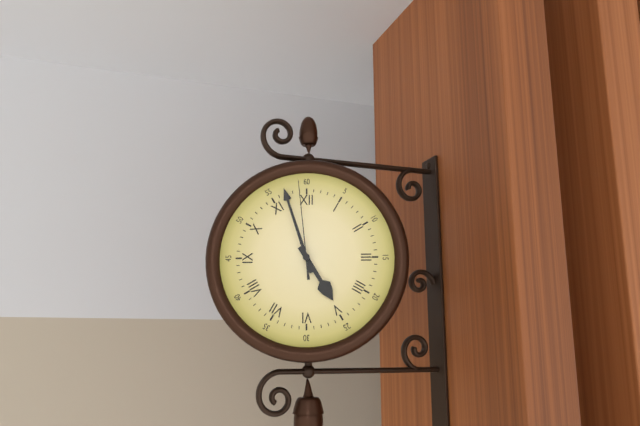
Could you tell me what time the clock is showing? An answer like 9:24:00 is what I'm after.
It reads 4:57:59
